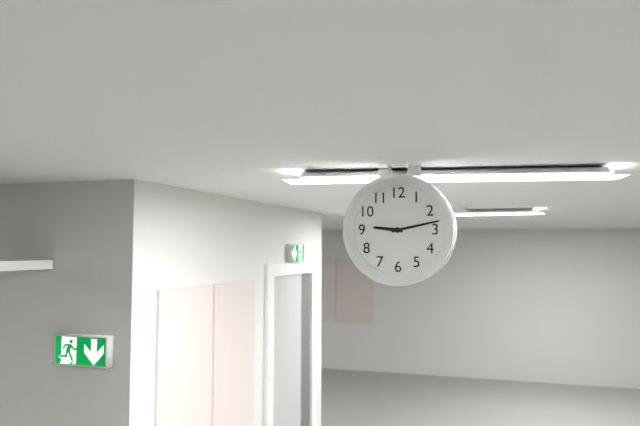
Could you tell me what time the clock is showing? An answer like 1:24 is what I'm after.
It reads 9:13
